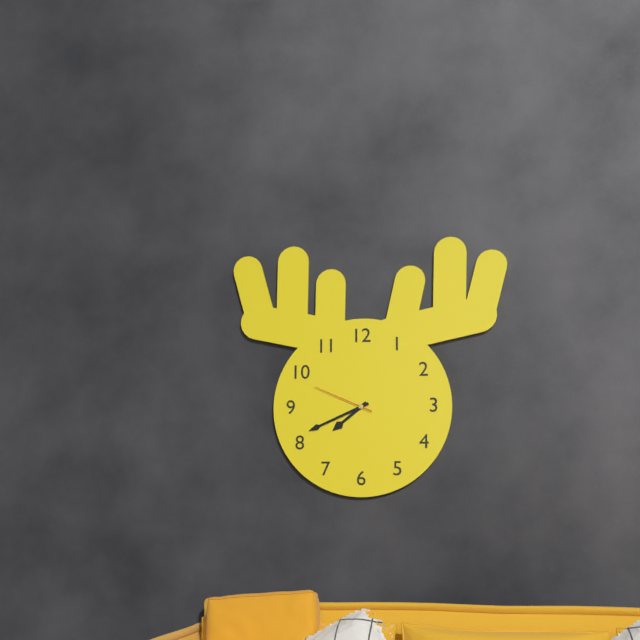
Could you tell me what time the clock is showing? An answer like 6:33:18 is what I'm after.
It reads 7:41:49
